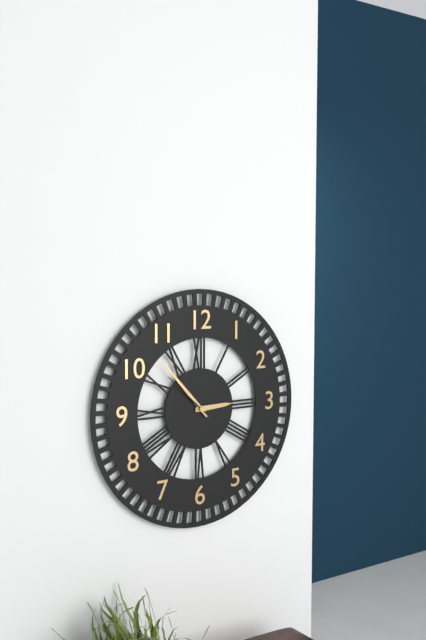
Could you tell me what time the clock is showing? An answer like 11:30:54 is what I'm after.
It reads 2:53:52
